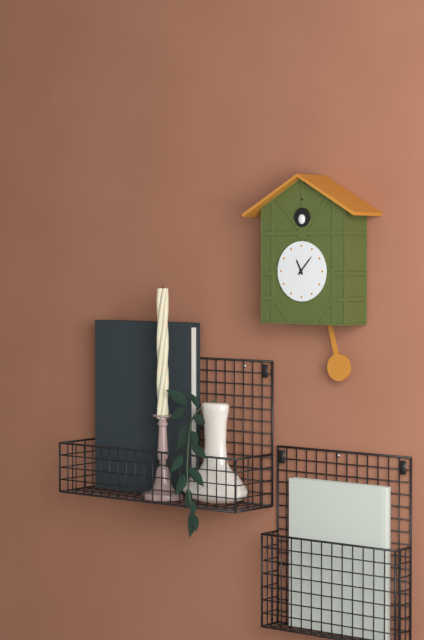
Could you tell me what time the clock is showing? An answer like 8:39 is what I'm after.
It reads 11:07
